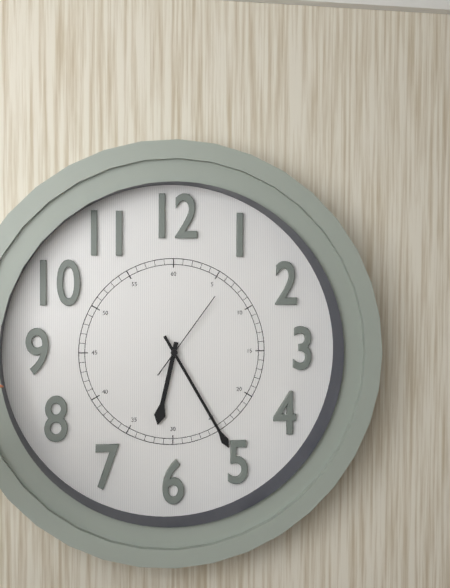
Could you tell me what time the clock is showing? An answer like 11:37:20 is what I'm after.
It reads 6:25:06
